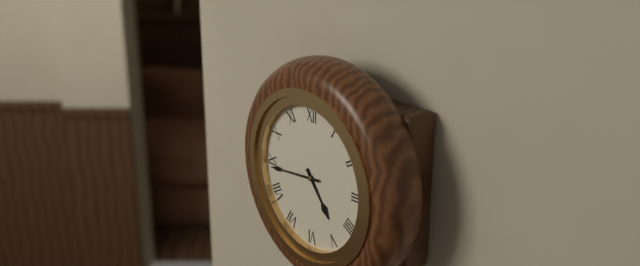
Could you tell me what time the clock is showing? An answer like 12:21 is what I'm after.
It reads 4:44
